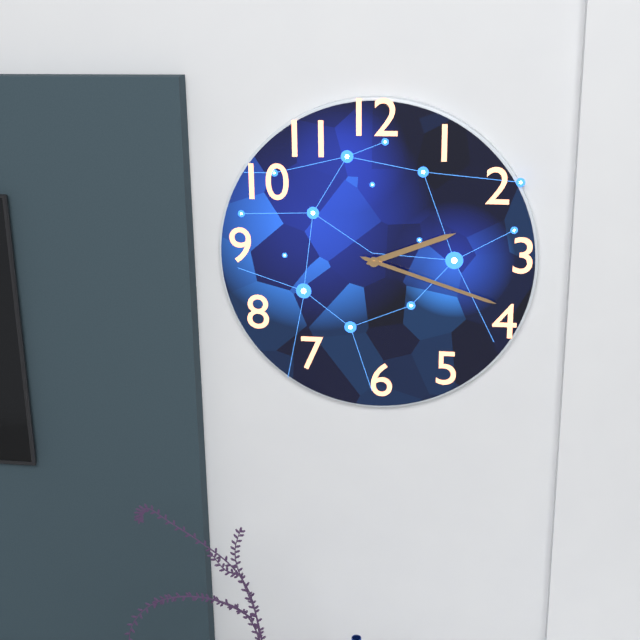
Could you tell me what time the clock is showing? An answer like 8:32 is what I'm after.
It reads 2:18
